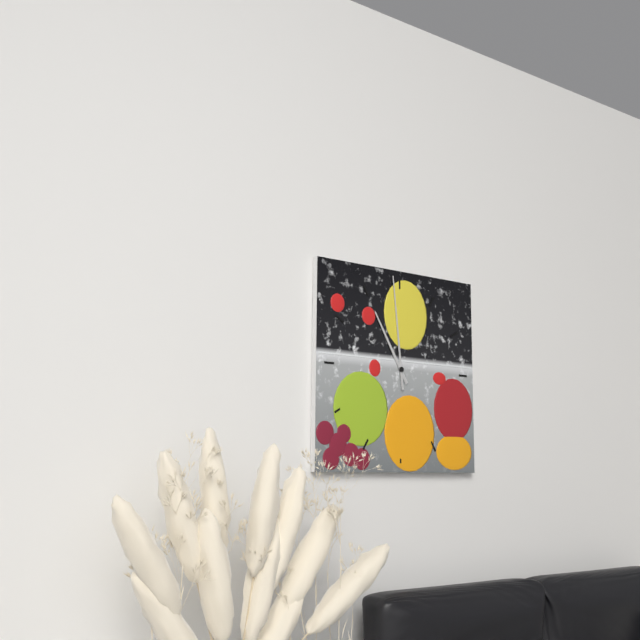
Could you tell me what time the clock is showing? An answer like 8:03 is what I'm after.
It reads 10:59
